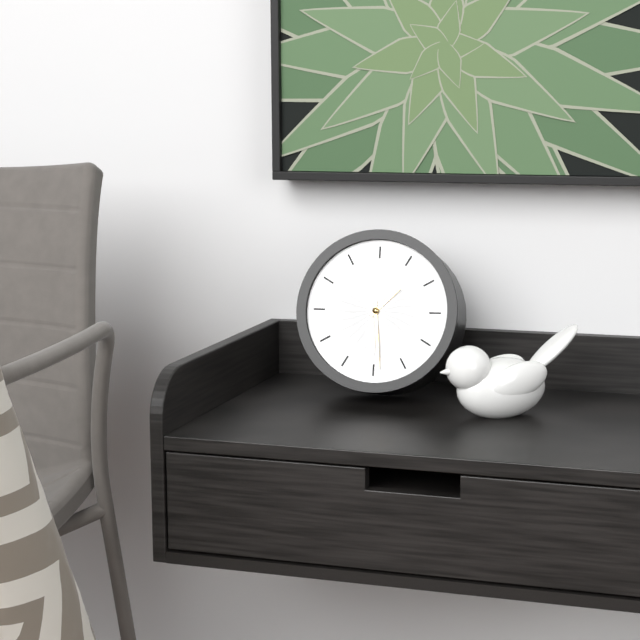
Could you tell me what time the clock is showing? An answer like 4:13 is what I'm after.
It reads 1:29
